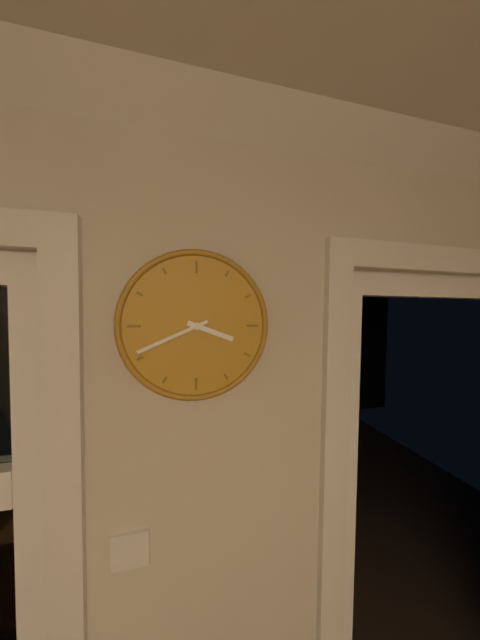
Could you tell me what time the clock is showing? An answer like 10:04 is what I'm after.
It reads 3:41
